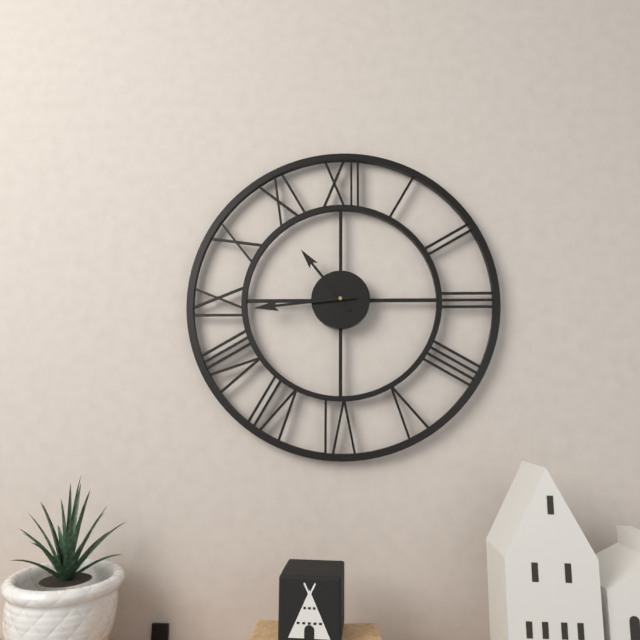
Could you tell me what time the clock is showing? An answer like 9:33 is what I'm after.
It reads 10:44
